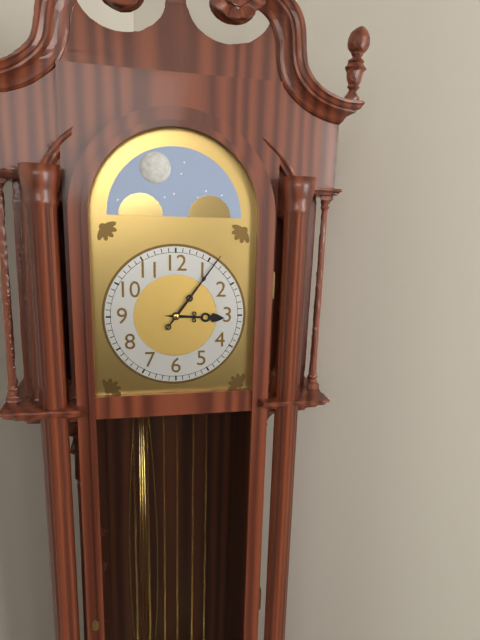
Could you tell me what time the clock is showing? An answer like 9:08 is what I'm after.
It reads 3:06
